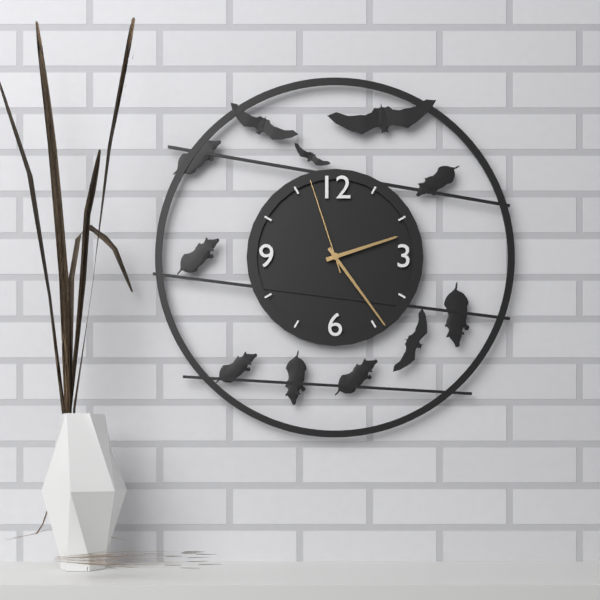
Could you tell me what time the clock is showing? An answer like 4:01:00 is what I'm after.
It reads 2:24:57
